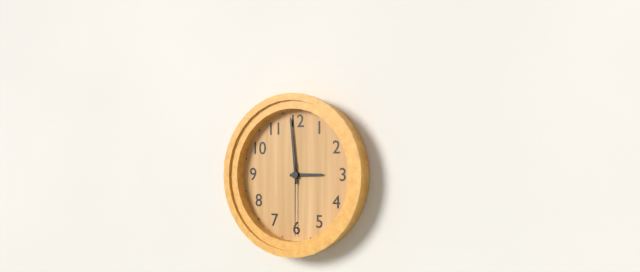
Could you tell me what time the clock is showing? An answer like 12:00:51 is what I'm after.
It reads 2:59:30
